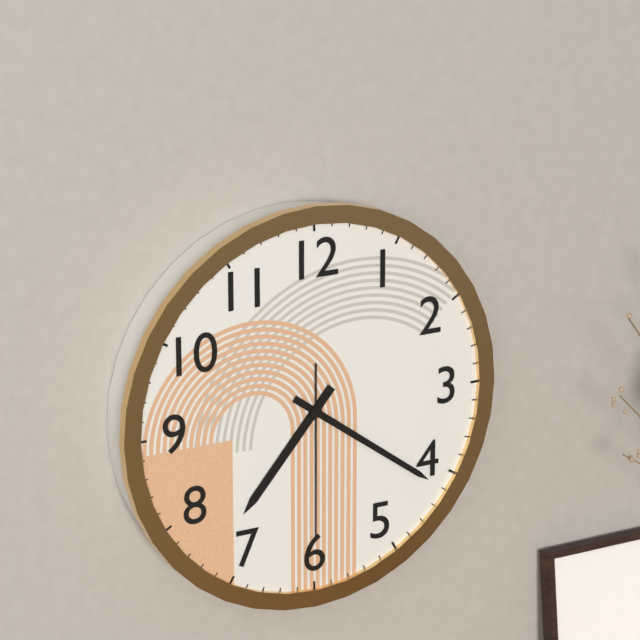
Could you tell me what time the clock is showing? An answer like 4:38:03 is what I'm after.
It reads 7:21:30
